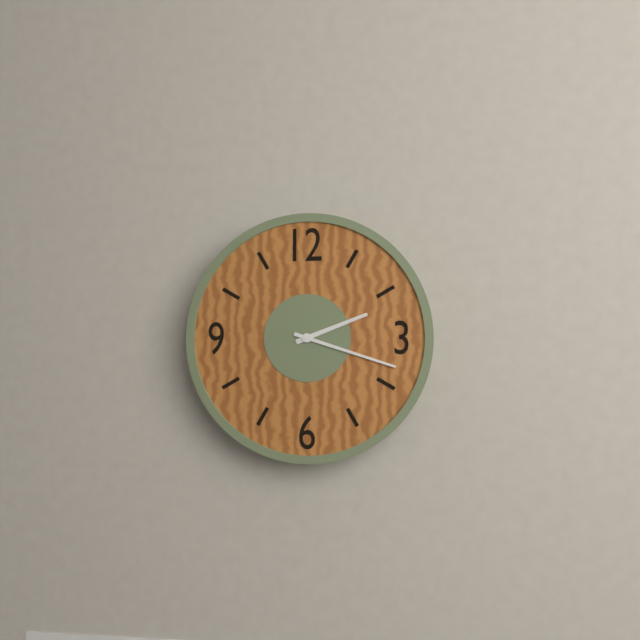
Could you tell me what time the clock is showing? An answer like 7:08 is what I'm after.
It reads 2:18
